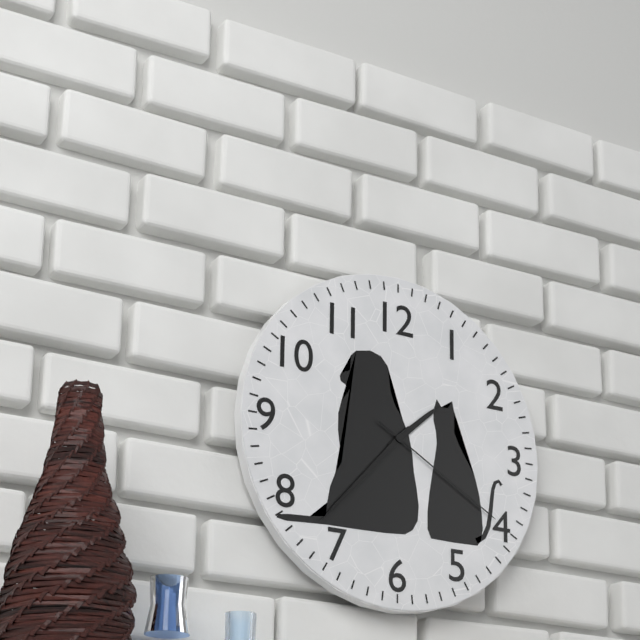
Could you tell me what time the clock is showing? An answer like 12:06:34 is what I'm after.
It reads 1:37:20
